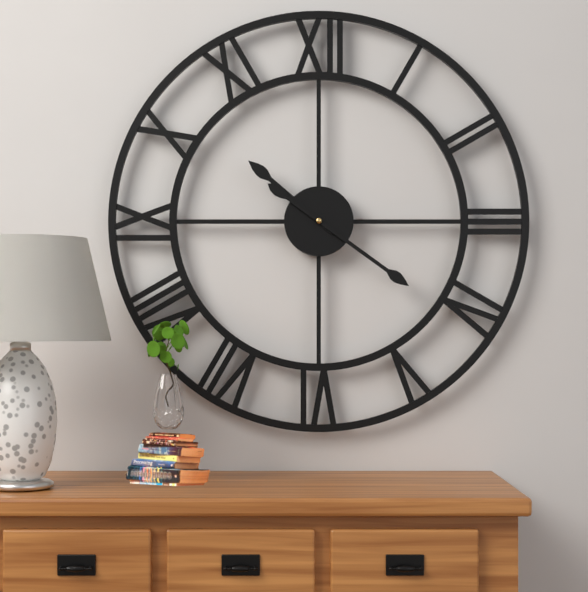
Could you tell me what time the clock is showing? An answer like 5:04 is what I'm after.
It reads 10:21
